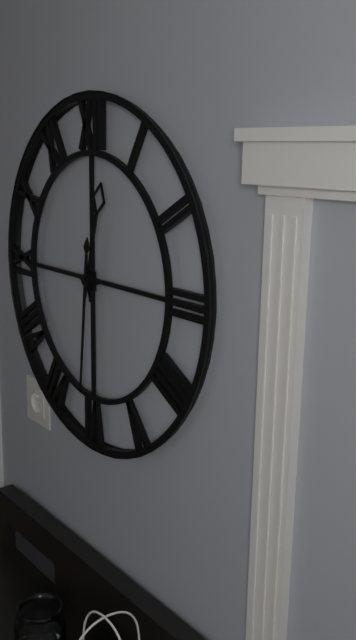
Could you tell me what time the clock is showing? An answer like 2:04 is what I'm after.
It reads 12:31
